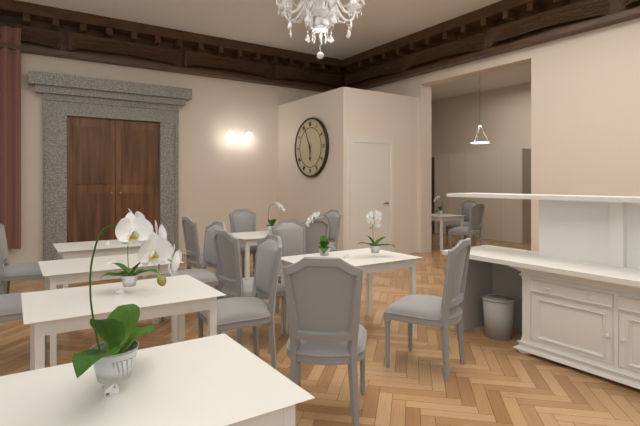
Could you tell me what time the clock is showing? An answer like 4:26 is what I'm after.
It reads 5:56
